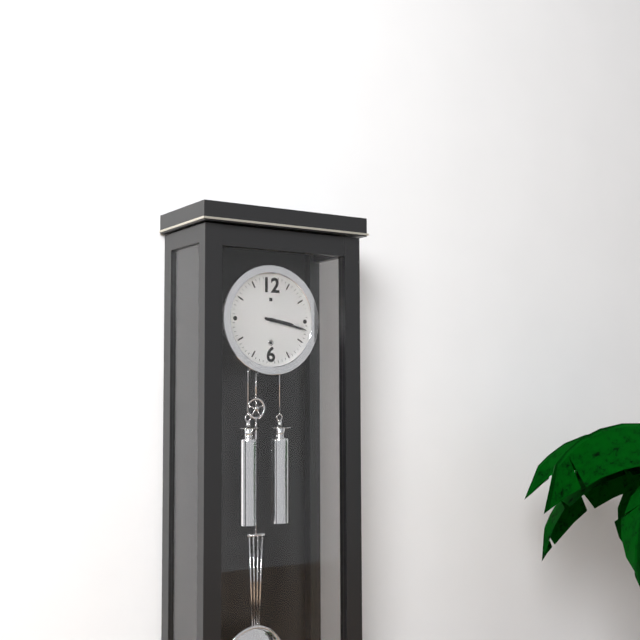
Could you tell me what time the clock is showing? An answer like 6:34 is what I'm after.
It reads 3:17
